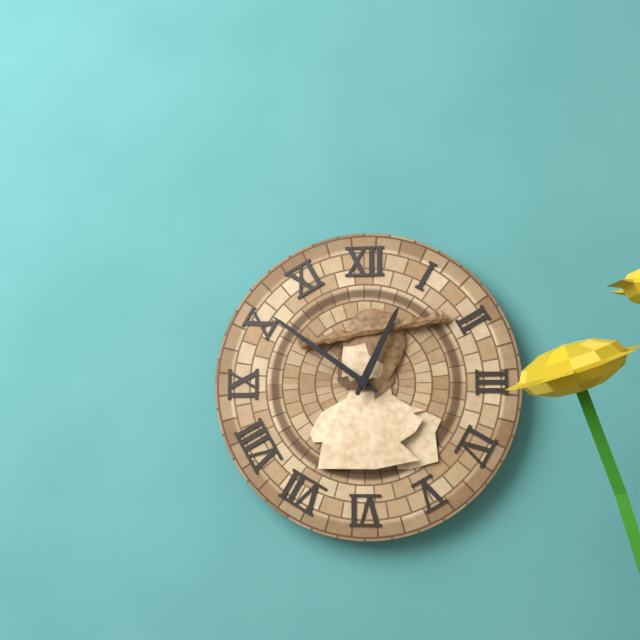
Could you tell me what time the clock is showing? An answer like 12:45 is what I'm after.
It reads 12:51
